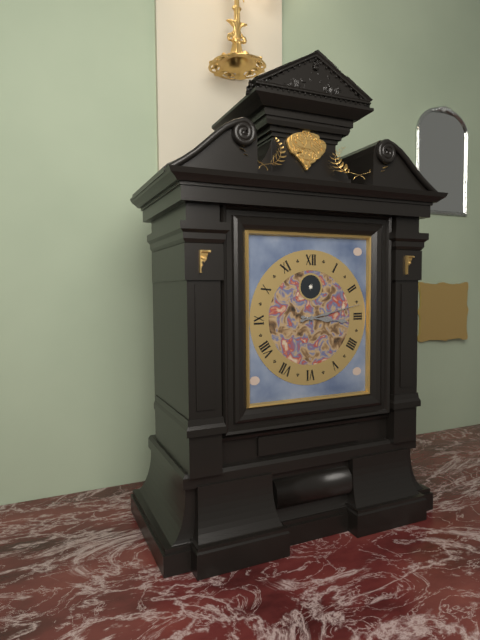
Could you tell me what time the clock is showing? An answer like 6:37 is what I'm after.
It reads 3:13
